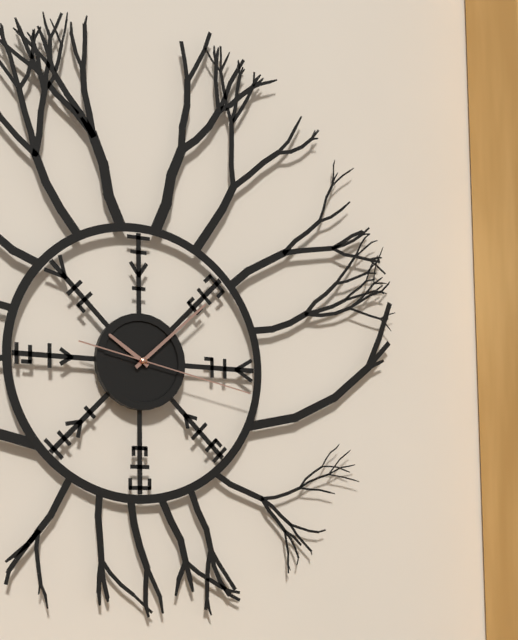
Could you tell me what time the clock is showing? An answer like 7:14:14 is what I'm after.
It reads 10:08:17
